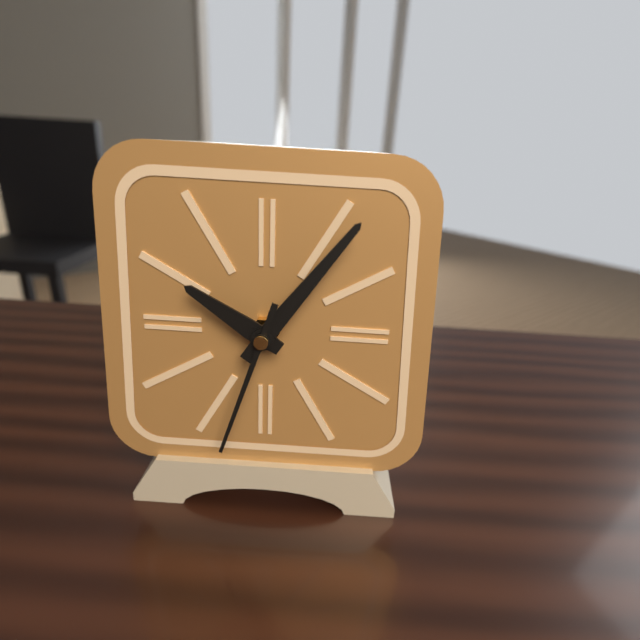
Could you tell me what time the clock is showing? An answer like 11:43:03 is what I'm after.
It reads 10:06:33
